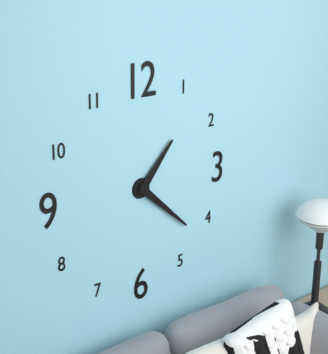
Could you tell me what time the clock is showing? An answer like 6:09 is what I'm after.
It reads 1:22
